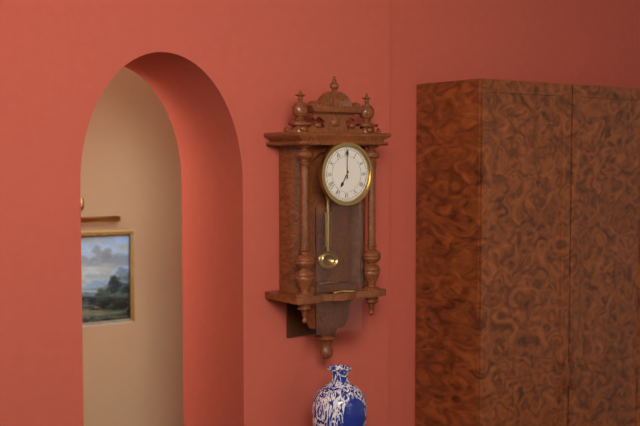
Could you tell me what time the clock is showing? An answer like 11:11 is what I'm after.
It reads 7:00
